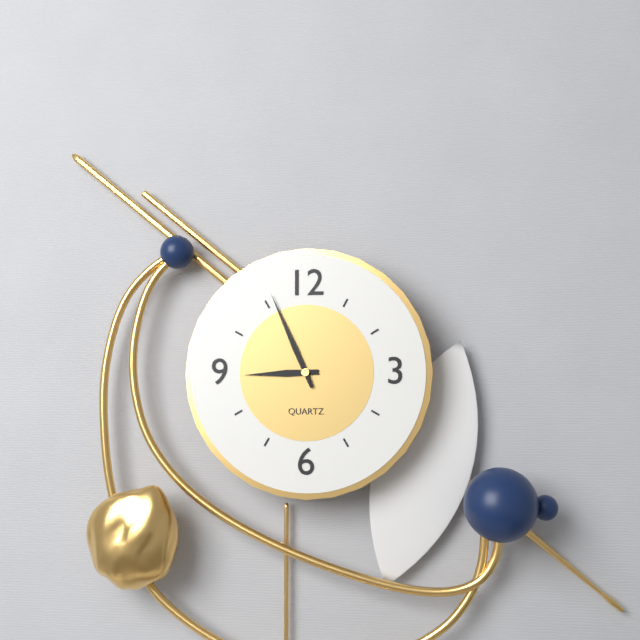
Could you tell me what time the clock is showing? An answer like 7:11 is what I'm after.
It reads 8:56
